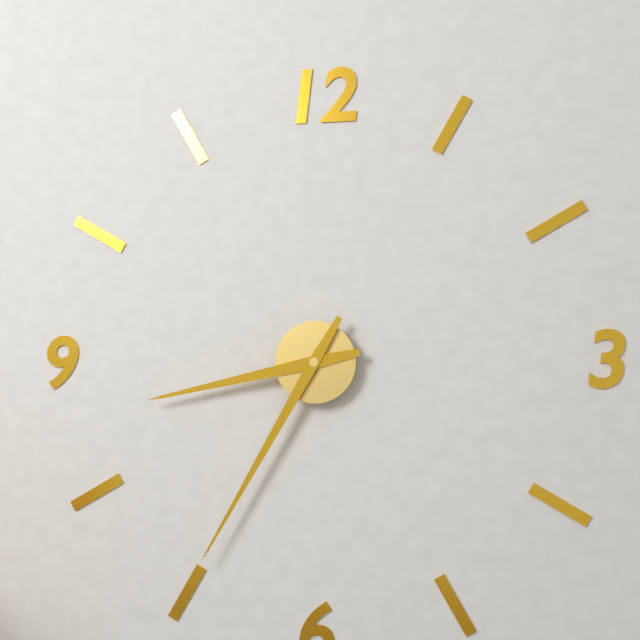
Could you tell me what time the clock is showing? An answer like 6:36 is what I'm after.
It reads 8:35
